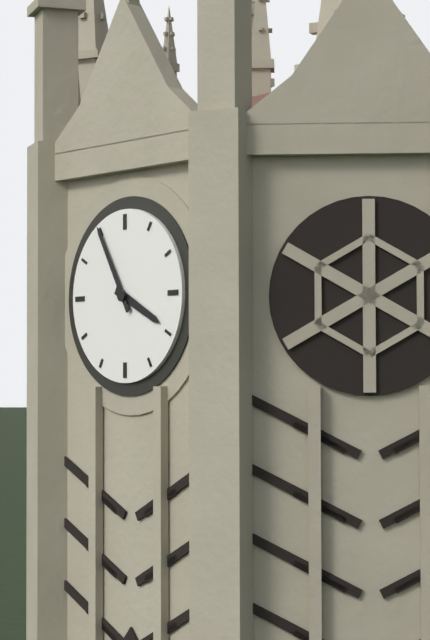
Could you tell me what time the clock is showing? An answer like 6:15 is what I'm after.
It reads 3:55
